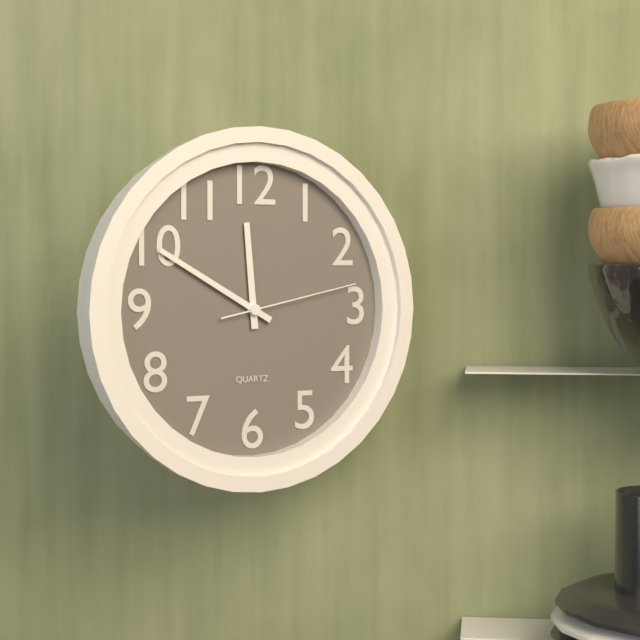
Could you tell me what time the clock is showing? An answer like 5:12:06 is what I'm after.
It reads 11:50:13
